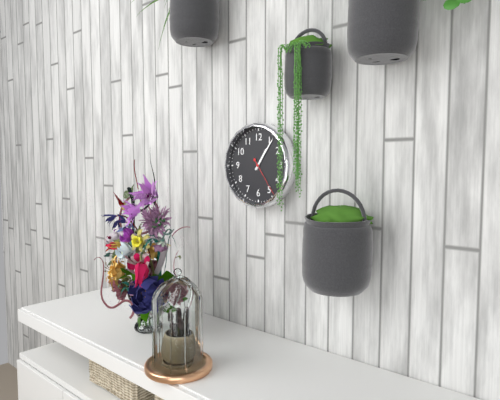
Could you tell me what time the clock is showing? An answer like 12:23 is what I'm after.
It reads 1:06
